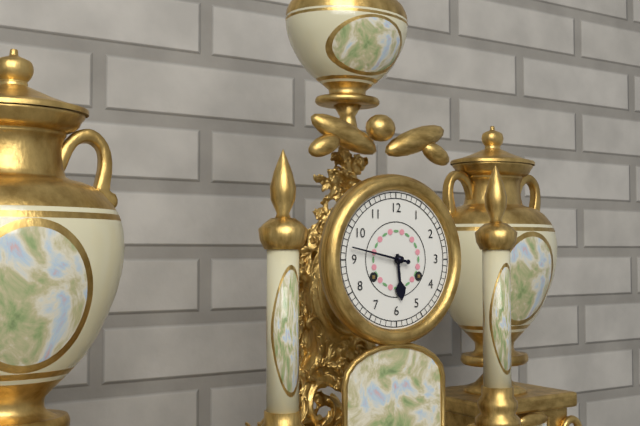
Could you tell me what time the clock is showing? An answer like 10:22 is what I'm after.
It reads 5:47
